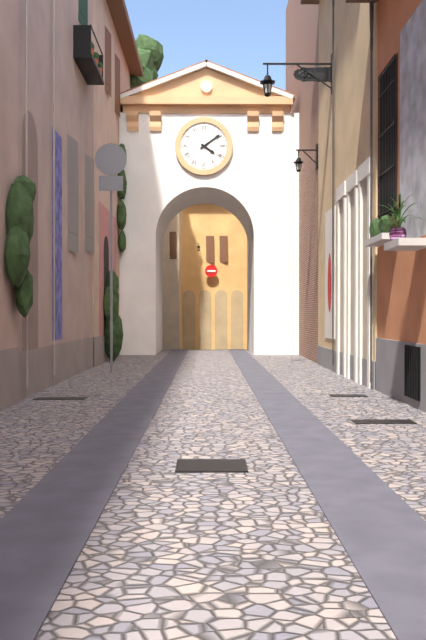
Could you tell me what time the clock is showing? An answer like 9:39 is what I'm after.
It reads 4:09
